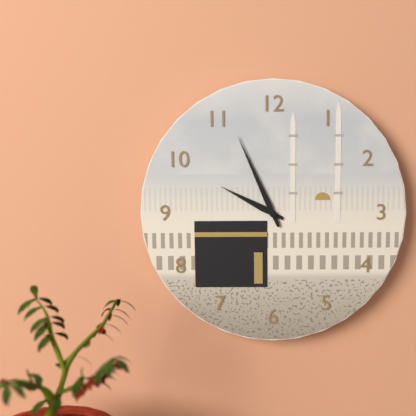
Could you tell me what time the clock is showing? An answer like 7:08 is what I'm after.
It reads 9:56
